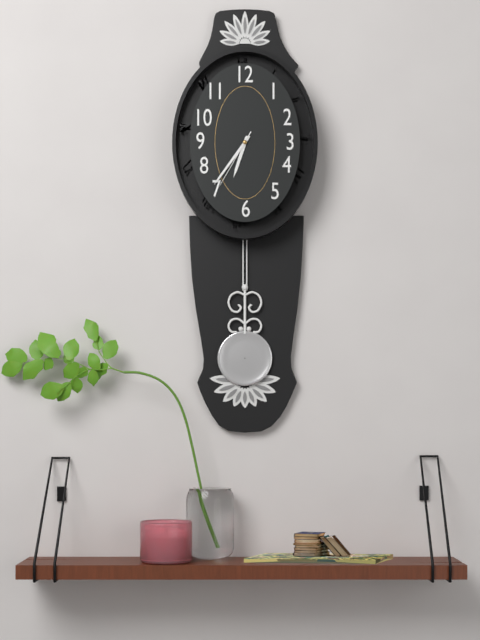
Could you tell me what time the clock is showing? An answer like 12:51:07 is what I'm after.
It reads 6:36:35
